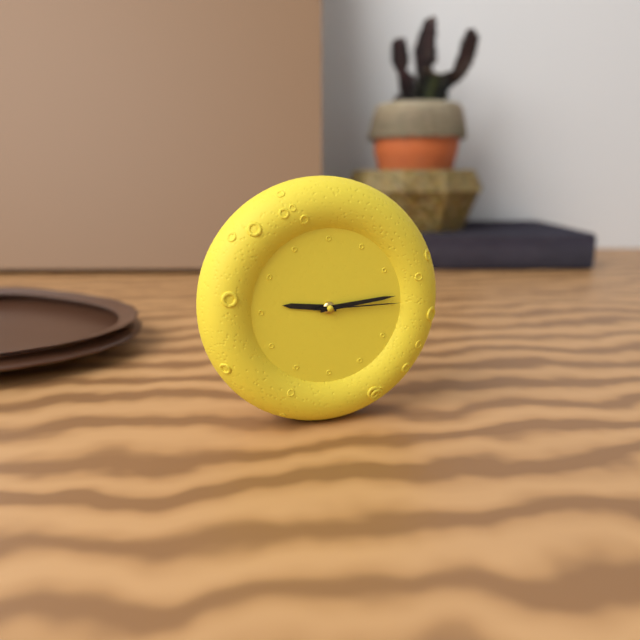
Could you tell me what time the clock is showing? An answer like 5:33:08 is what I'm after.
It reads 9:14:15
